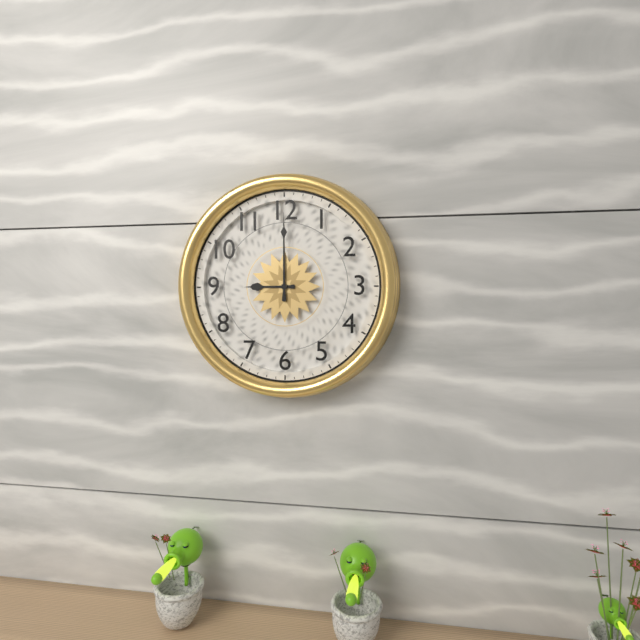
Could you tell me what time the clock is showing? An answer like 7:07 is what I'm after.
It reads 9:00
